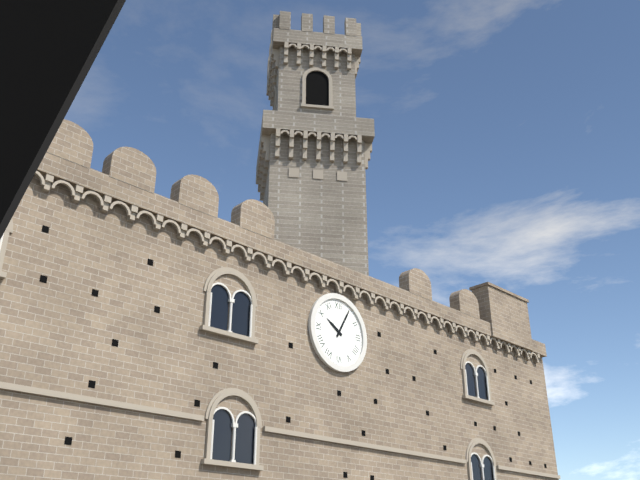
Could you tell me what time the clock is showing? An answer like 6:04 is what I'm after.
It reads 10:05
